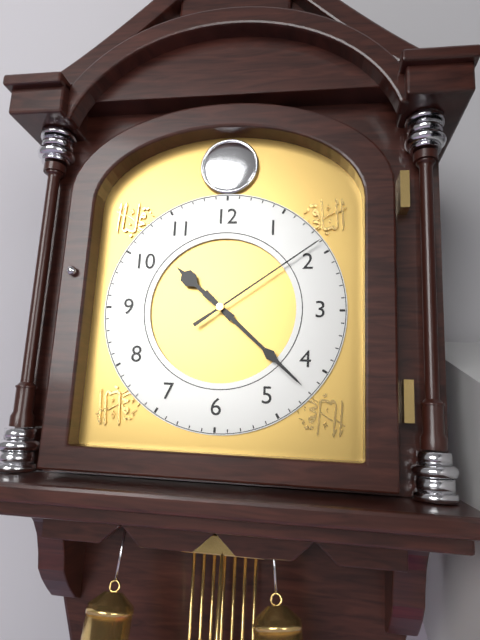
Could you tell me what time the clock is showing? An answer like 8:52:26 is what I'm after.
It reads 10:22:09
